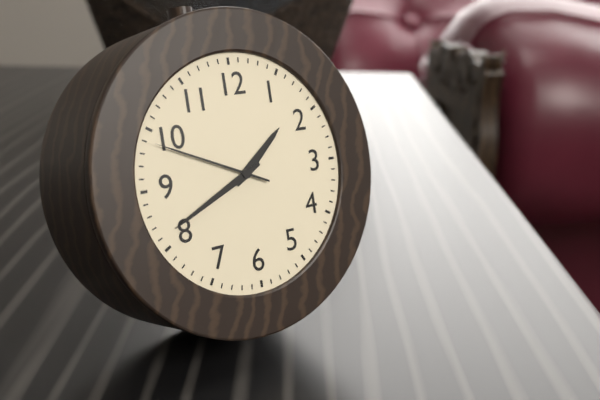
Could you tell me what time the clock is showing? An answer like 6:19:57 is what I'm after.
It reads 1:41:49
